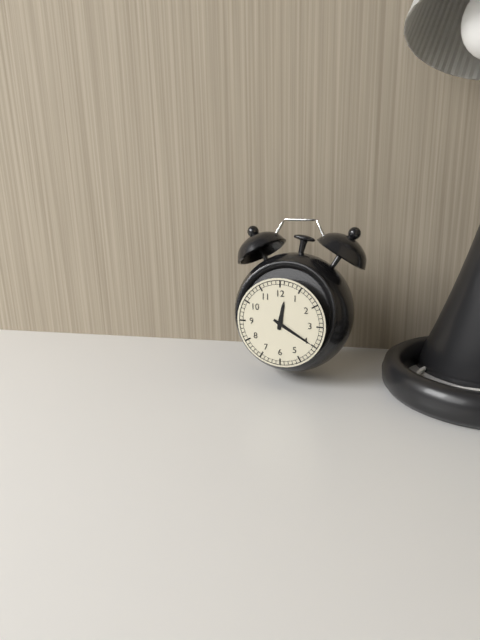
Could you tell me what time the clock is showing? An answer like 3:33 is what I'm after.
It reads 12:20
